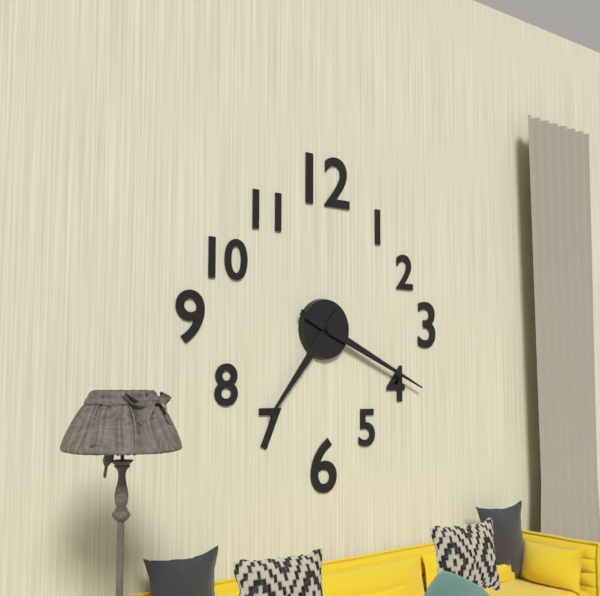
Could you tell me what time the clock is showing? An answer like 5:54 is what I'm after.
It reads 7:19
